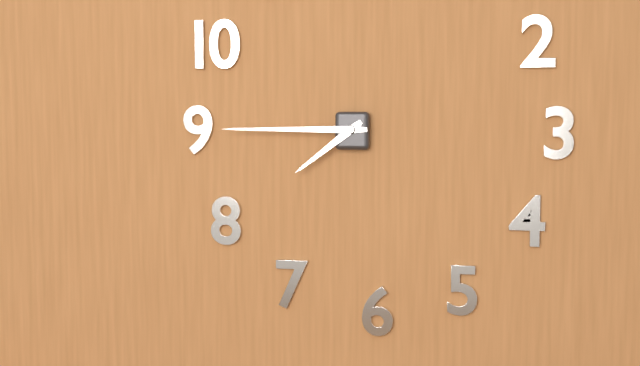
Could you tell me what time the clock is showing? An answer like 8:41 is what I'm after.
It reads 7:45
